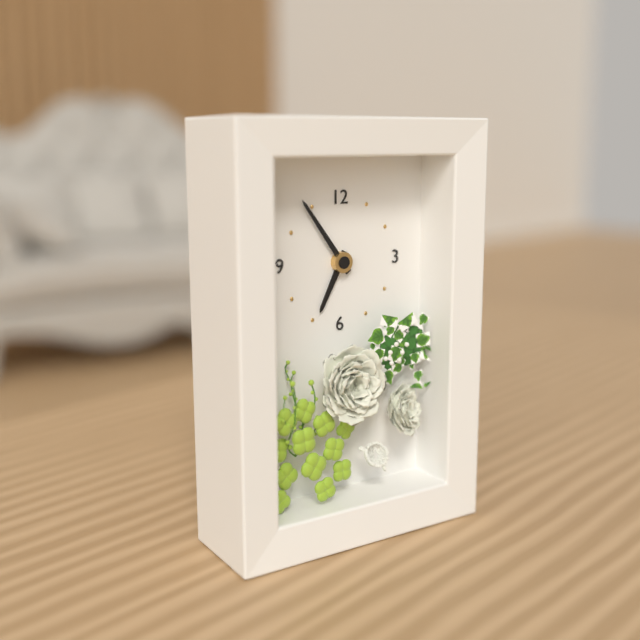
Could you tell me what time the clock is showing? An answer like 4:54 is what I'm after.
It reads 6:54
